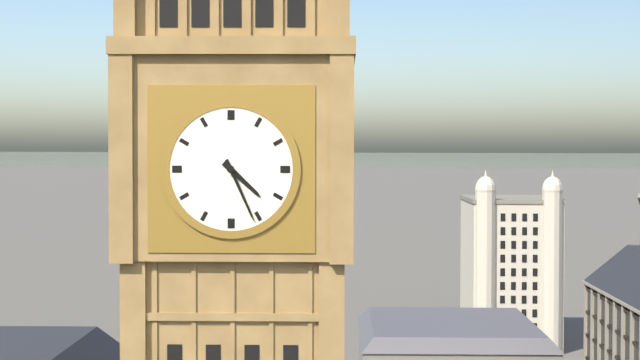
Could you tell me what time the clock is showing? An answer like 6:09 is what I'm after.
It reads 4:26
